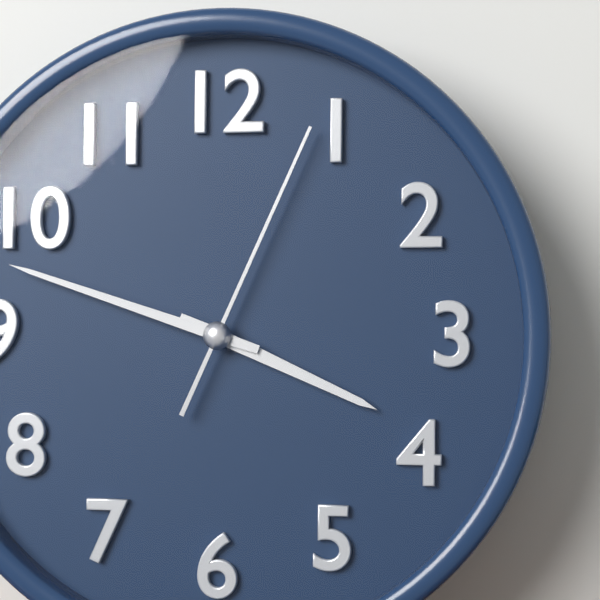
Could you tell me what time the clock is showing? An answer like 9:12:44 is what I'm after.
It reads 3:48:04
